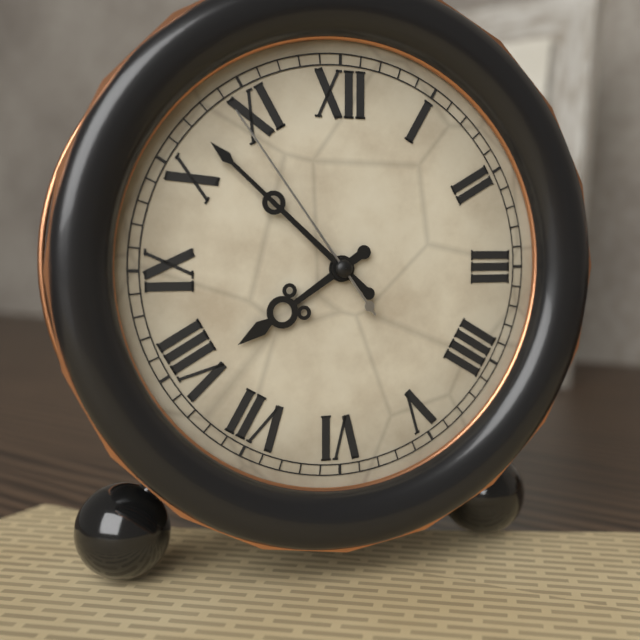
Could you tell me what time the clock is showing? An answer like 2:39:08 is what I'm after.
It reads 7:52:54
